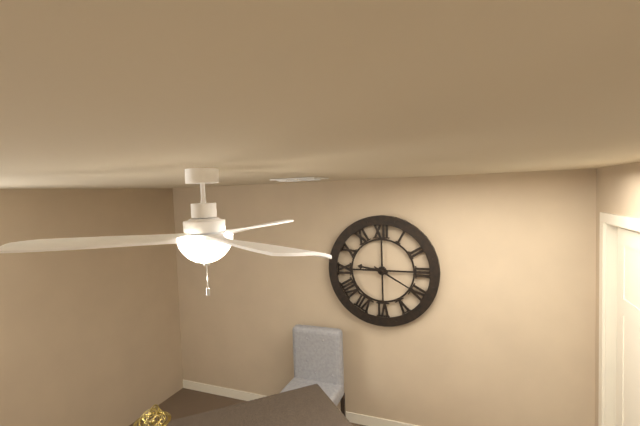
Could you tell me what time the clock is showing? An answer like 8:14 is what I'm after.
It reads 9:20
